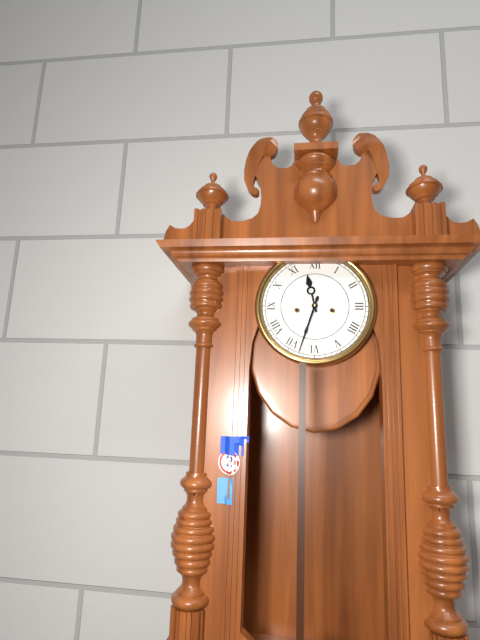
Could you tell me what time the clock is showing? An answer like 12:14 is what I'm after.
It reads 11:33
